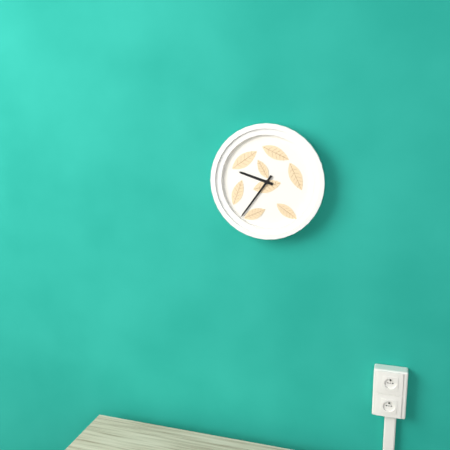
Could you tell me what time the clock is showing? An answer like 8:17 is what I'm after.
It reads 9:36
